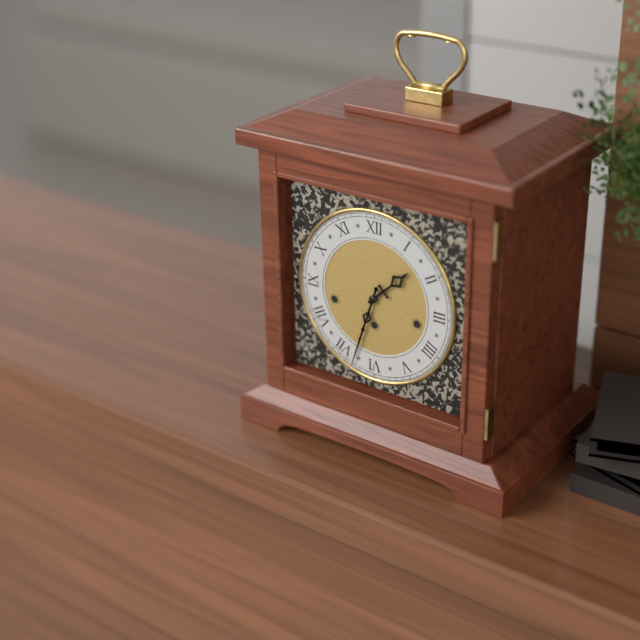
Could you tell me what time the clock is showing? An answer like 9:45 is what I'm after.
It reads 1:33
